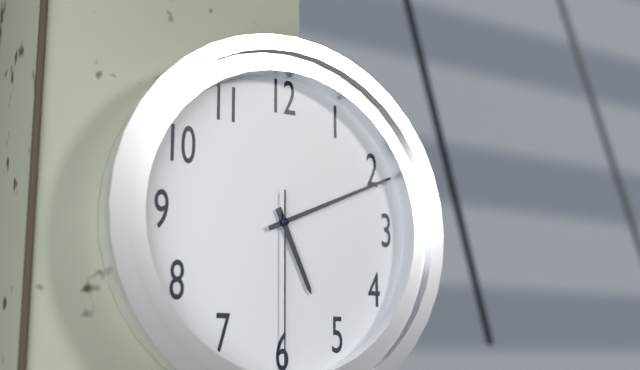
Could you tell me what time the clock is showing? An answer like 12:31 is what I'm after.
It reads 5:11
